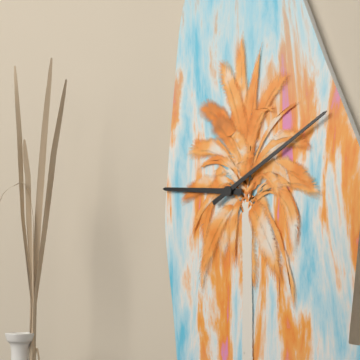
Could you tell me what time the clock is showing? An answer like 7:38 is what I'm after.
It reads 9:10
